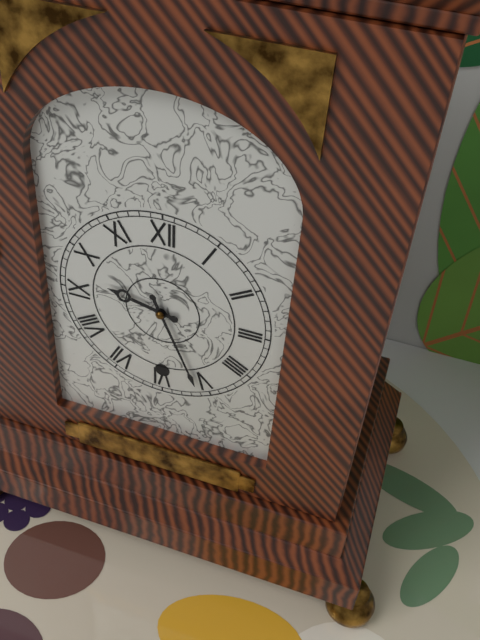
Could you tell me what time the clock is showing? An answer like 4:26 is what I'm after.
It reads 9:26
